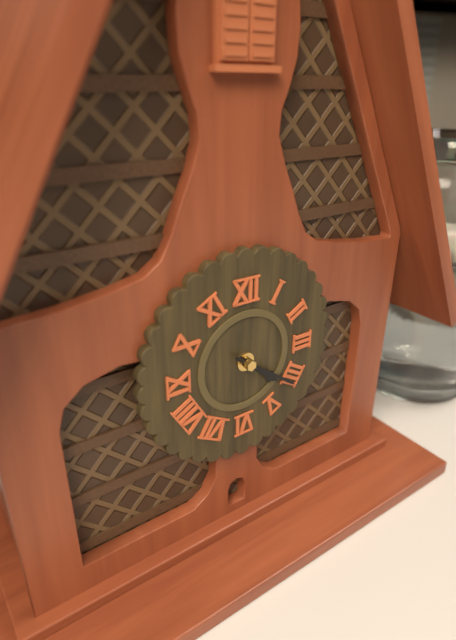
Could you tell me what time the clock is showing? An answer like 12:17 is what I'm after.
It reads 4:21
